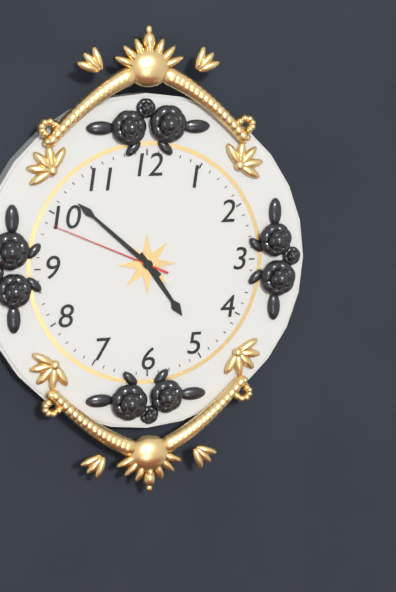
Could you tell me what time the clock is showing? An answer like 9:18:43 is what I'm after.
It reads 4:52:49
